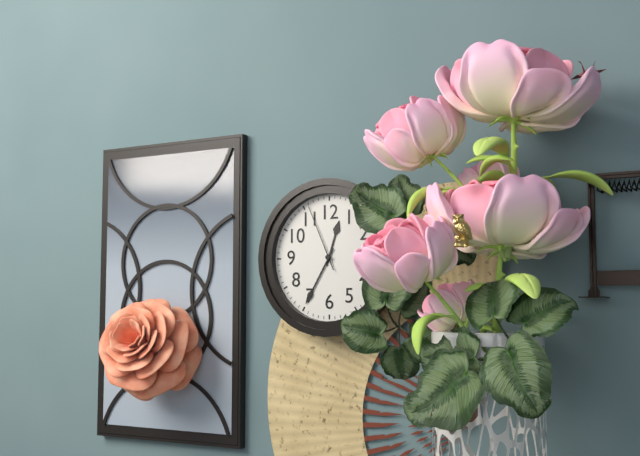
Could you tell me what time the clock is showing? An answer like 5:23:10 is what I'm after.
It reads 12:35:56
